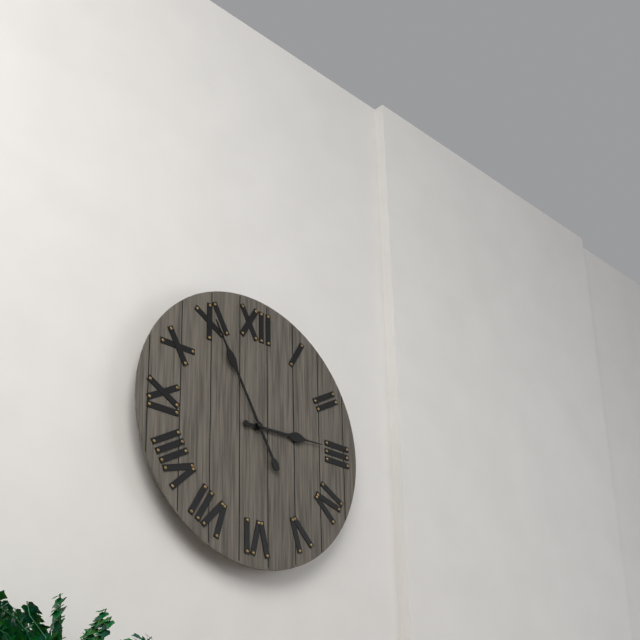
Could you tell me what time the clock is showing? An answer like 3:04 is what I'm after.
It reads 2:55
